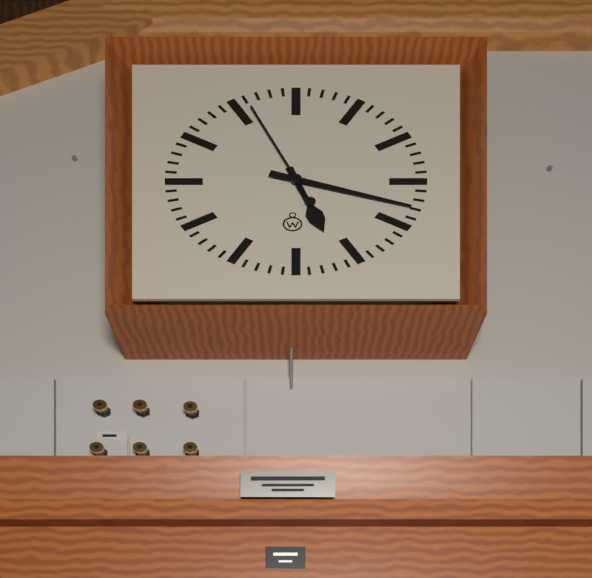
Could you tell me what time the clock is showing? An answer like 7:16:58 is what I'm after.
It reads 5:18:56
